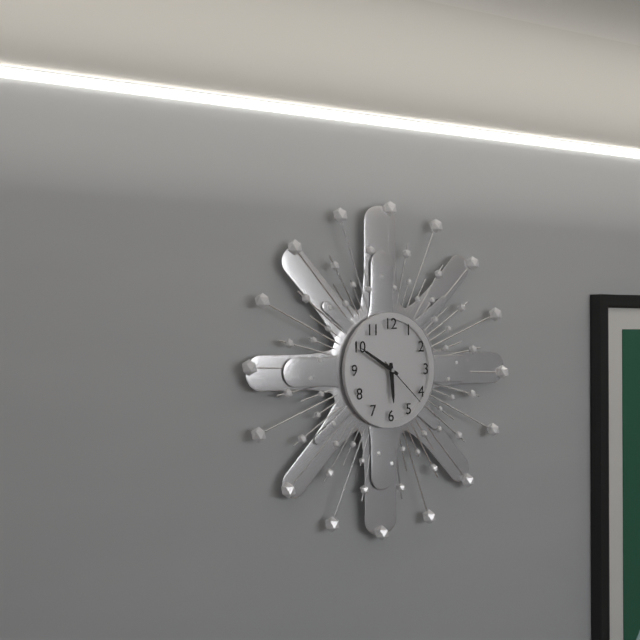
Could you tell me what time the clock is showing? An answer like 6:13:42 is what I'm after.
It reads 5:50:22
